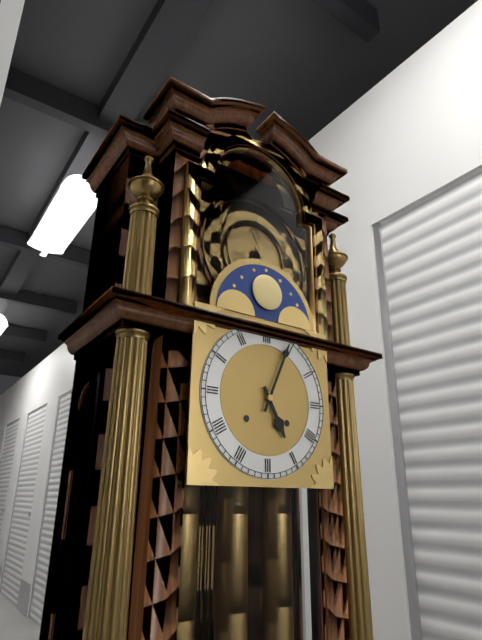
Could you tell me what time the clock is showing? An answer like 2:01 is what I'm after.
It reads 5:04
